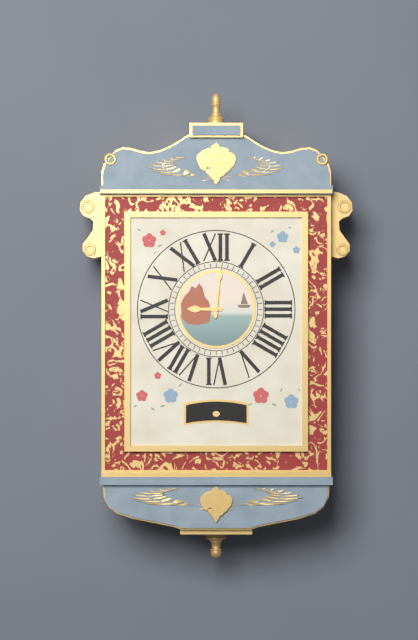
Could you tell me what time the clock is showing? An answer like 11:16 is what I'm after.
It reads 9:01
